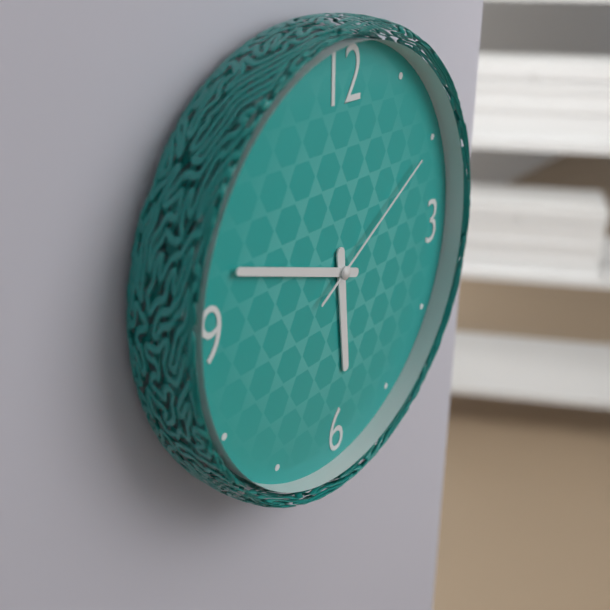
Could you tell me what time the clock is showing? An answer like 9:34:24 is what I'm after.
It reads 5:48:10
